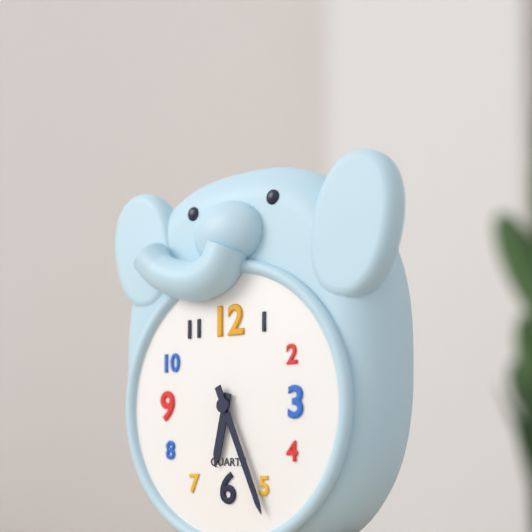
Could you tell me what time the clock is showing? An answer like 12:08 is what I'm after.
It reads 6:26
